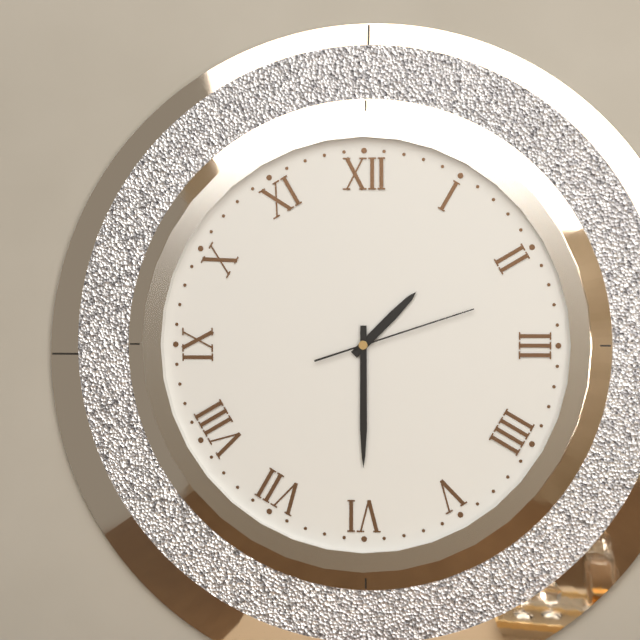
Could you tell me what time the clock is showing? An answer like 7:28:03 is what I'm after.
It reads 1:30:12
